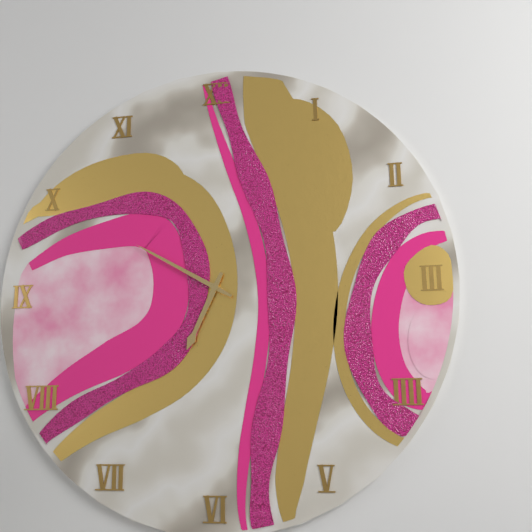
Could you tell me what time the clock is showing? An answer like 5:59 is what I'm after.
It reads 6:50
